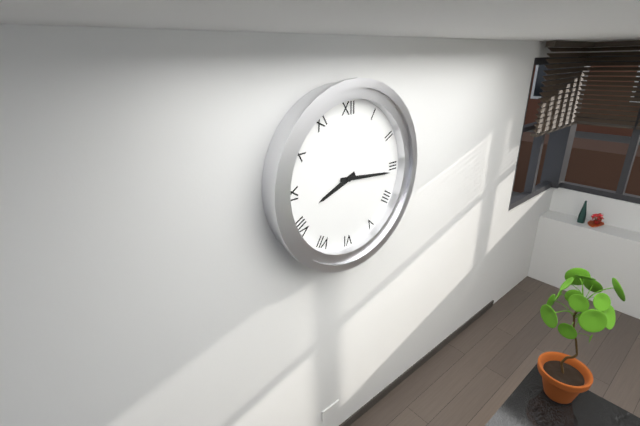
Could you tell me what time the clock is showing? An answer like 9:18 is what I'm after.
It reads 8:16
